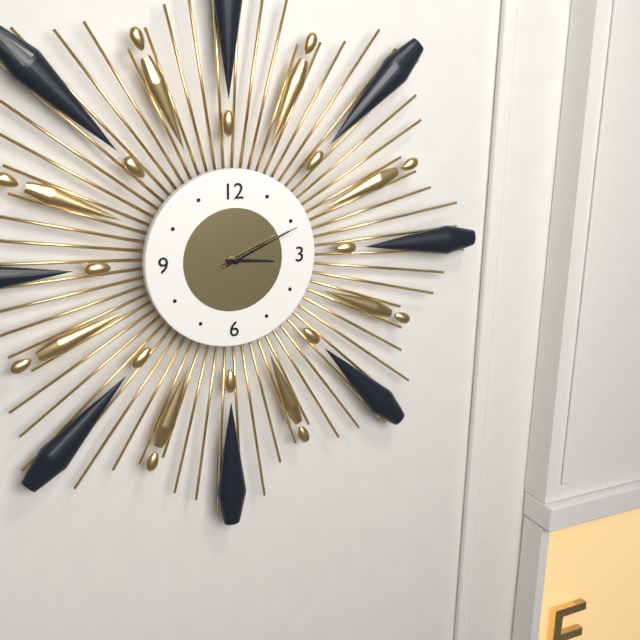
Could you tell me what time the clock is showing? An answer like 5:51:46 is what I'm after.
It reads 3:11:11
